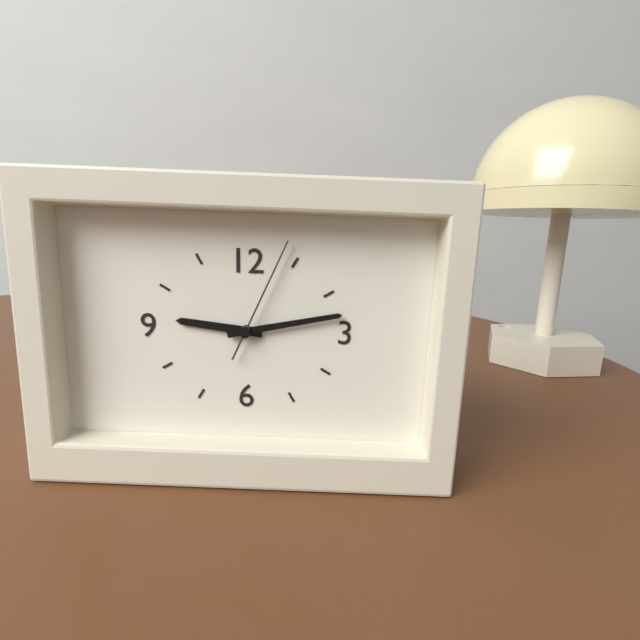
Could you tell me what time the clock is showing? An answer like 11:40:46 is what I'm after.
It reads 9:13:04
